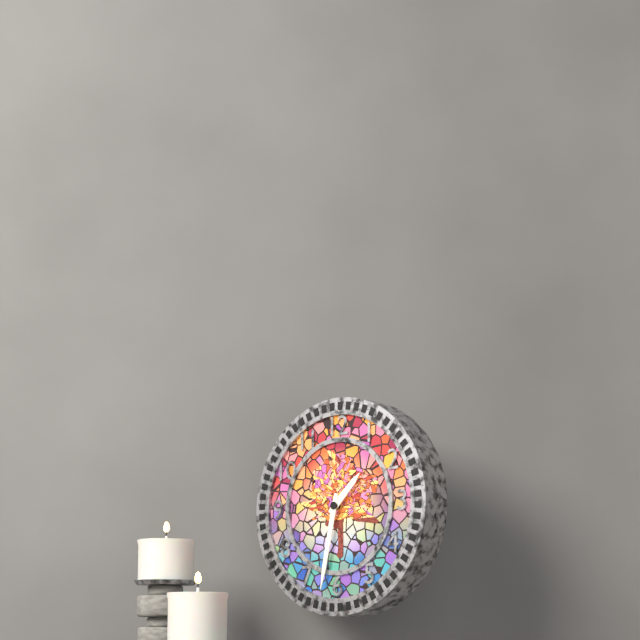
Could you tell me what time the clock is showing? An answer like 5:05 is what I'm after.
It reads 1:32
